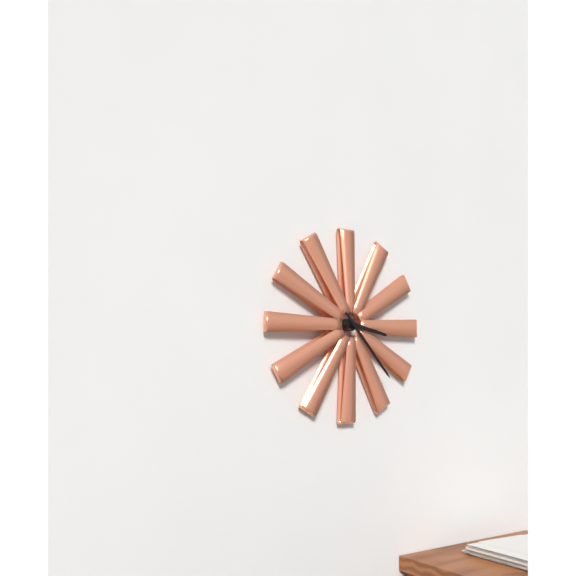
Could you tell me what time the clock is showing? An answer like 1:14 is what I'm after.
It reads 3:23
